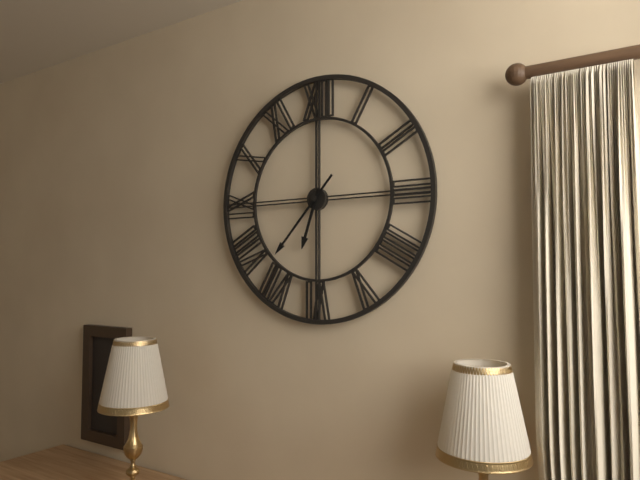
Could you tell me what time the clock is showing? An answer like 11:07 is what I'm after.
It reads 6:37
